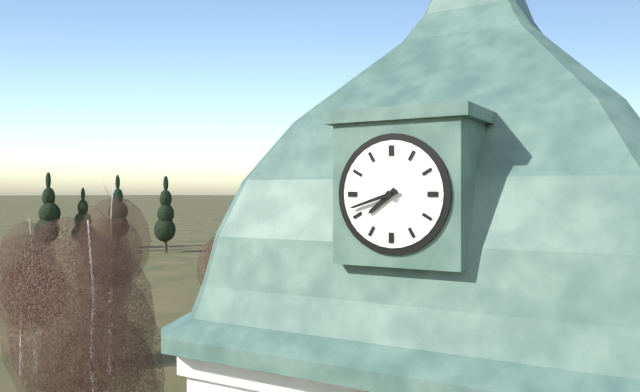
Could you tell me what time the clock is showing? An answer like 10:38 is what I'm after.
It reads 7:42
